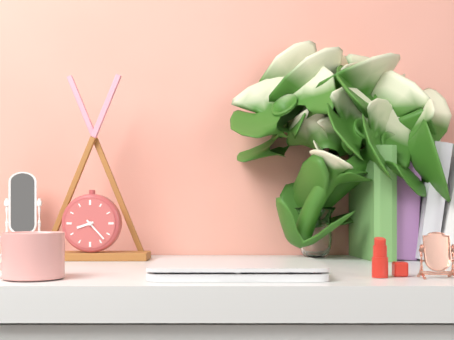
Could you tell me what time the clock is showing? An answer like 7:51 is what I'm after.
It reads 8:23
